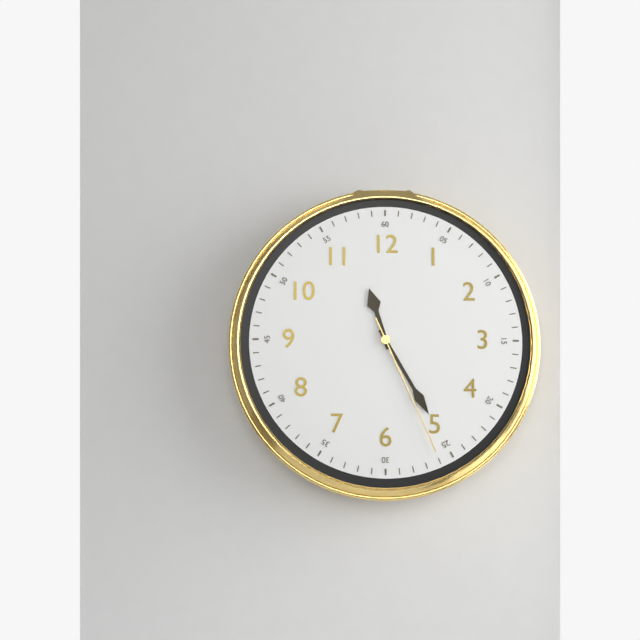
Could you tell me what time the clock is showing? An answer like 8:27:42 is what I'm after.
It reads 11:25:26
